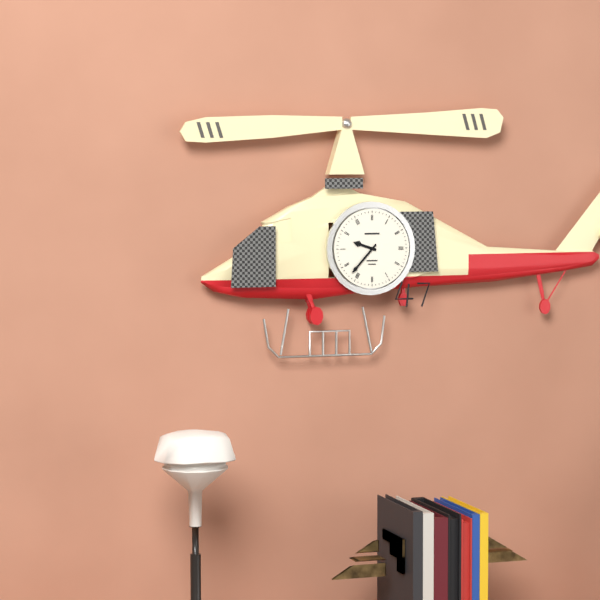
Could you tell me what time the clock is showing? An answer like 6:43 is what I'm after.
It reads 9:37
